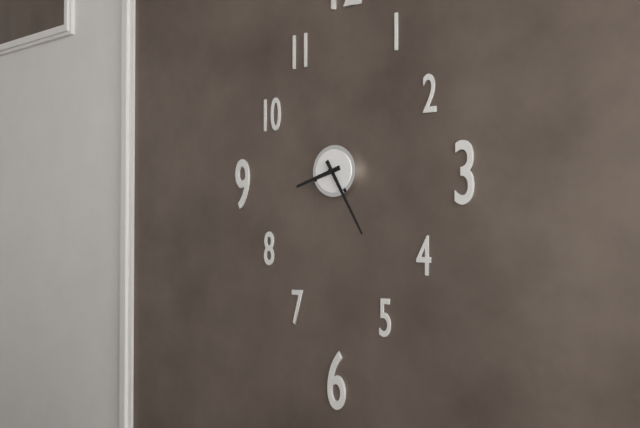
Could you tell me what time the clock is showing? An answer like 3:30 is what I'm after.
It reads 8:25
